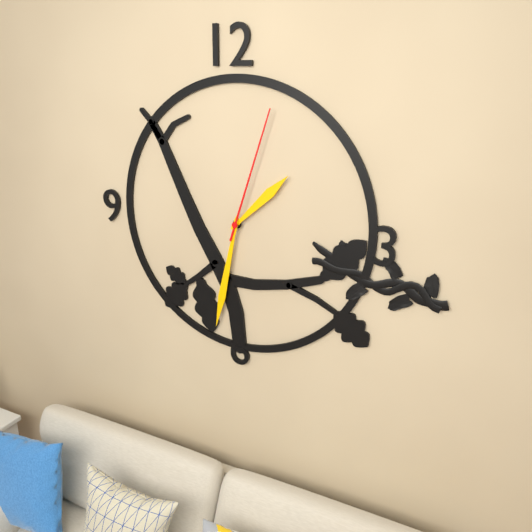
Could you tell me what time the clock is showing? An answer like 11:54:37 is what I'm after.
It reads 1:32:03
